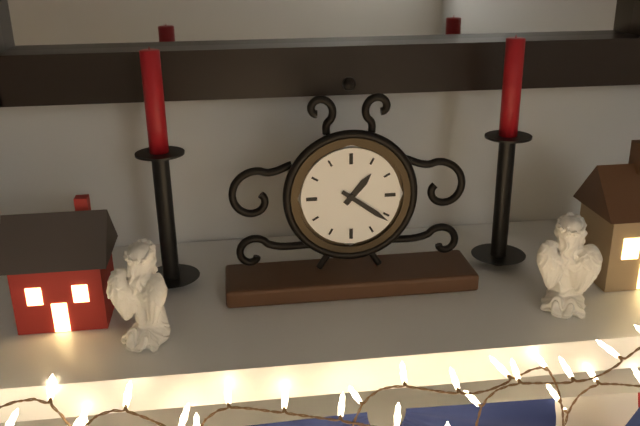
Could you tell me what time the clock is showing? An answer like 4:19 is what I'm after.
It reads 1:21
